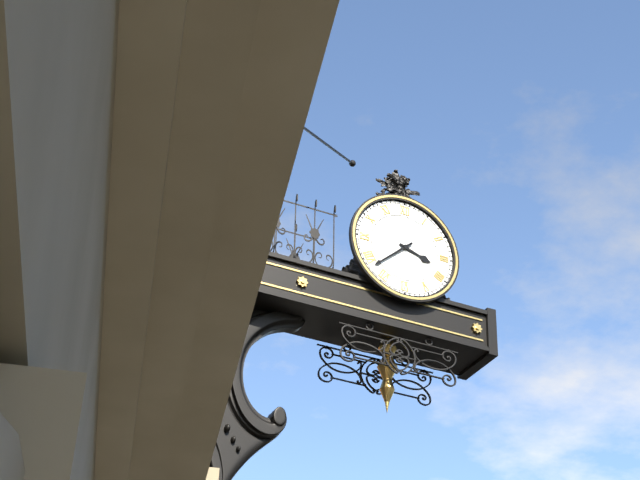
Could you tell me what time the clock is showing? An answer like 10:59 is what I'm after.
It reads 3:38
